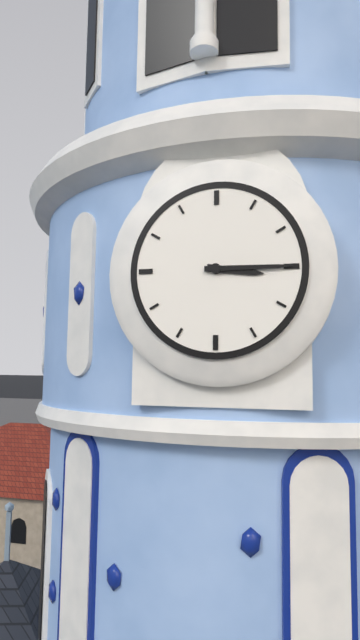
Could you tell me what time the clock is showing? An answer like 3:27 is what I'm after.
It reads 3:15
